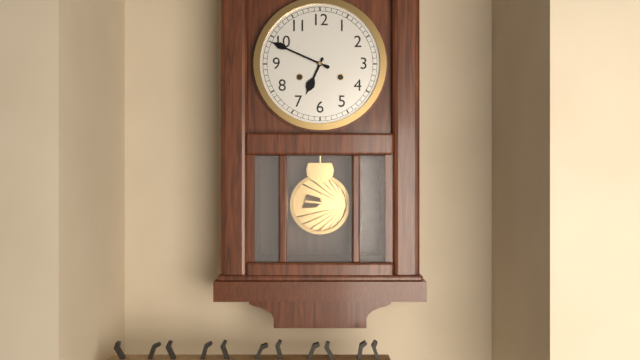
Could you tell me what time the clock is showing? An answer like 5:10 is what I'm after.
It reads 6:49
